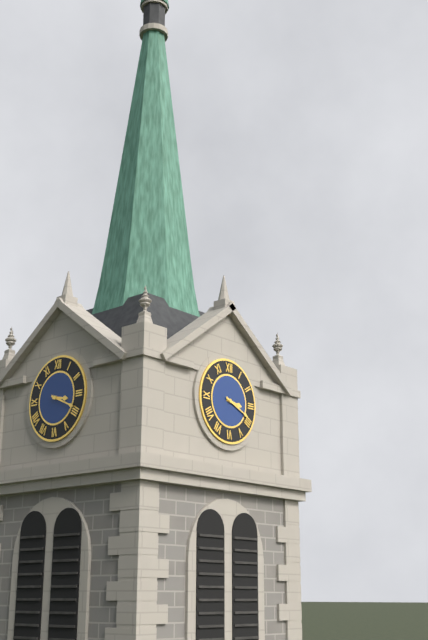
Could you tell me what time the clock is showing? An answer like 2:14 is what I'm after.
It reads 3:19
